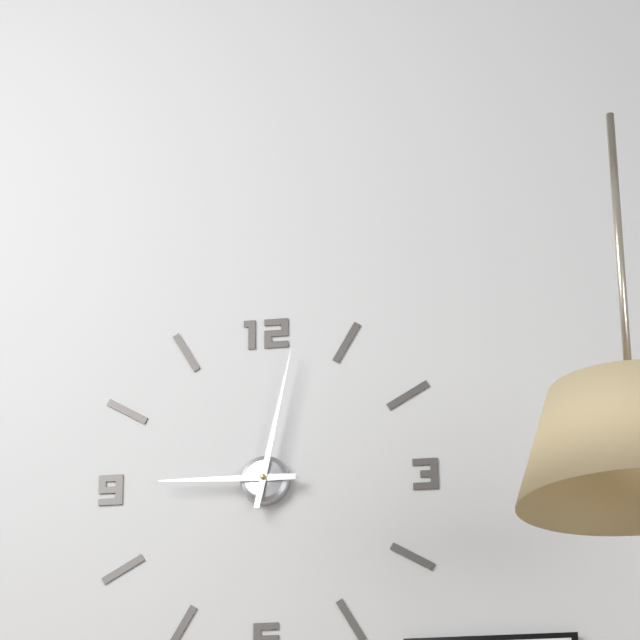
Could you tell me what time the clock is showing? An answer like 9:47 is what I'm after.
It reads 9:02
